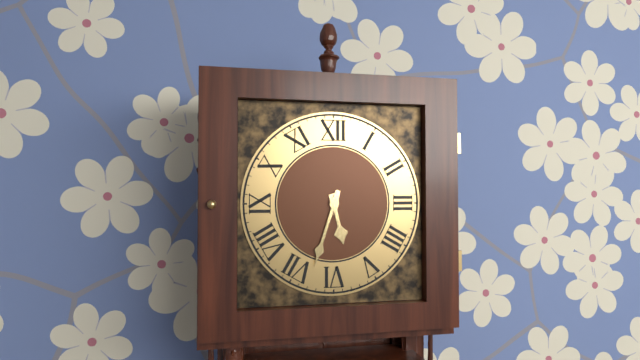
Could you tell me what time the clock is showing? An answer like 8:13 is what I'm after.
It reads 5:33
